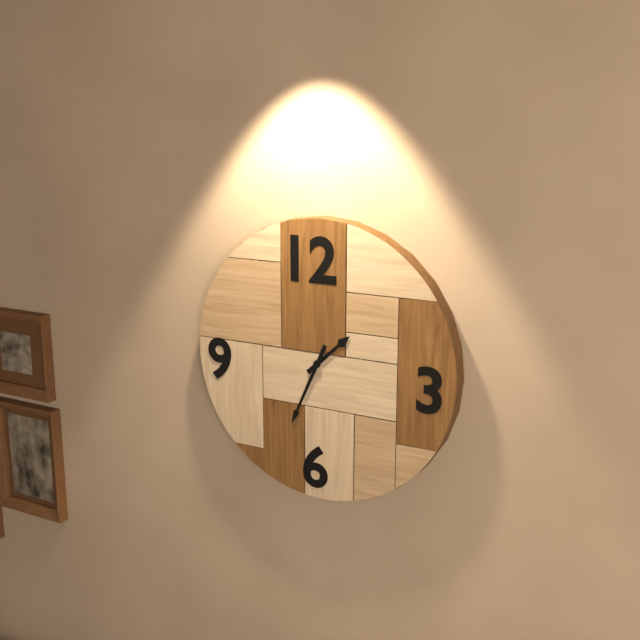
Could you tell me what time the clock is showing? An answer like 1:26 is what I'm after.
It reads 1:34
